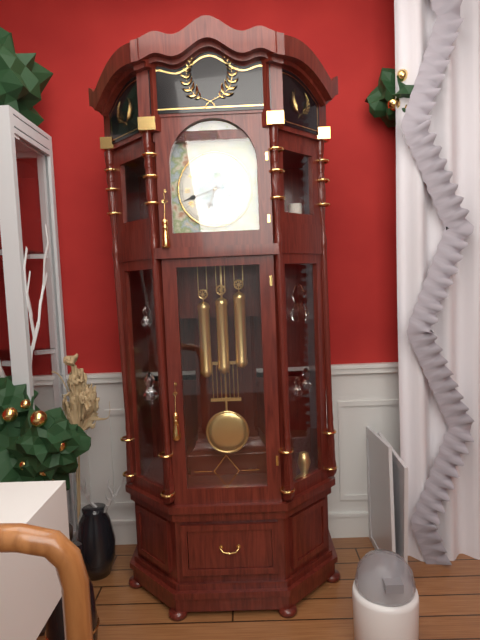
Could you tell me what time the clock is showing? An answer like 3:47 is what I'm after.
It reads 6:42
